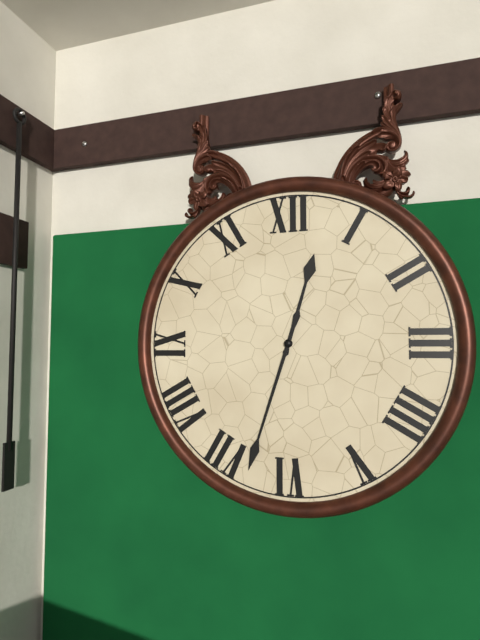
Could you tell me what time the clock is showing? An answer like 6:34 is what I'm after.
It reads 12:33
